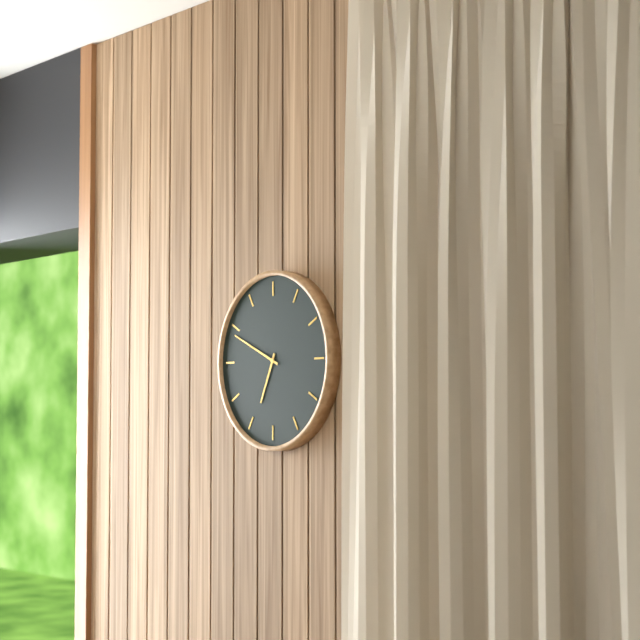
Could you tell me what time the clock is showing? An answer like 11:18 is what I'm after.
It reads 6:49
